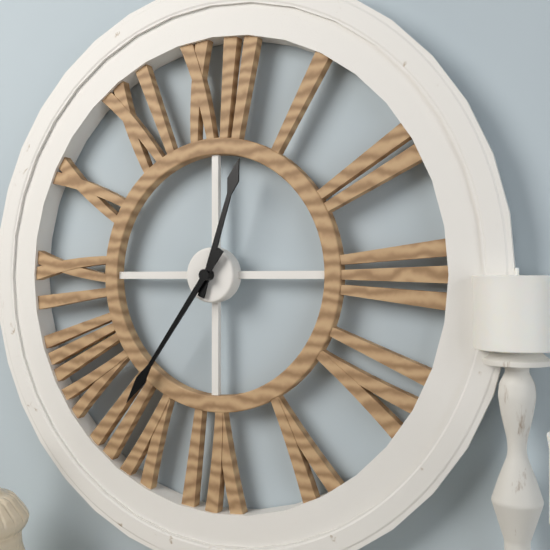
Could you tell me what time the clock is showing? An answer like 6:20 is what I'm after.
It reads 12:36
